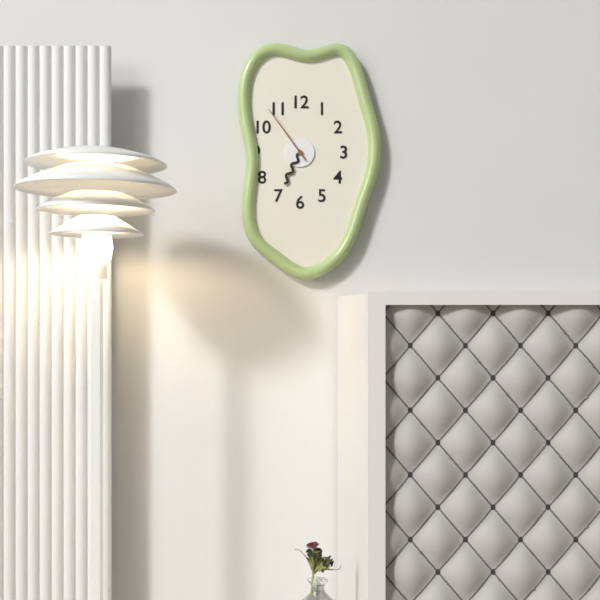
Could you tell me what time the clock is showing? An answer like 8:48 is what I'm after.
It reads 6:54
